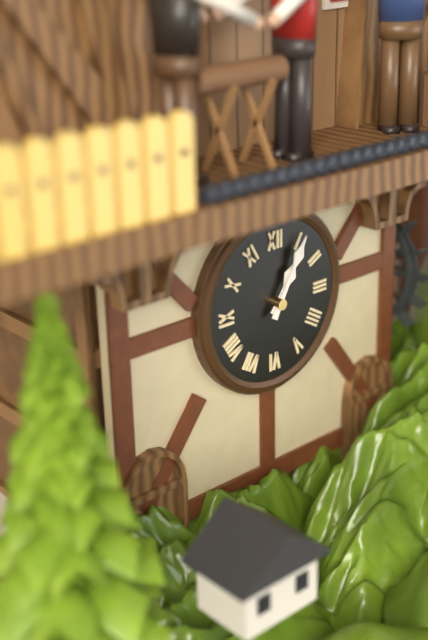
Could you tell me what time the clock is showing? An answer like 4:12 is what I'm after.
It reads 1:05
